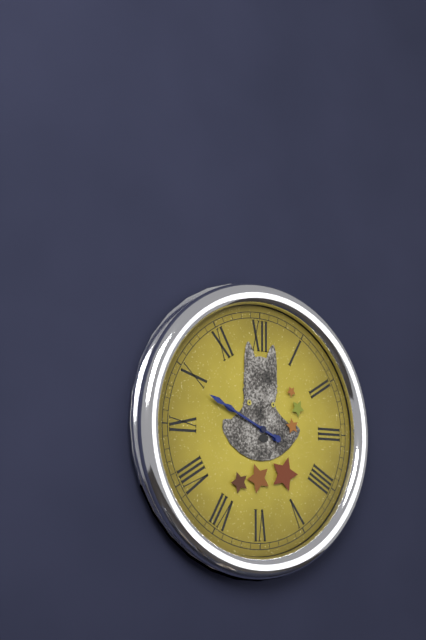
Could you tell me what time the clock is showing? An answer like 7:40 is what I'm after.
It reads 9:49
